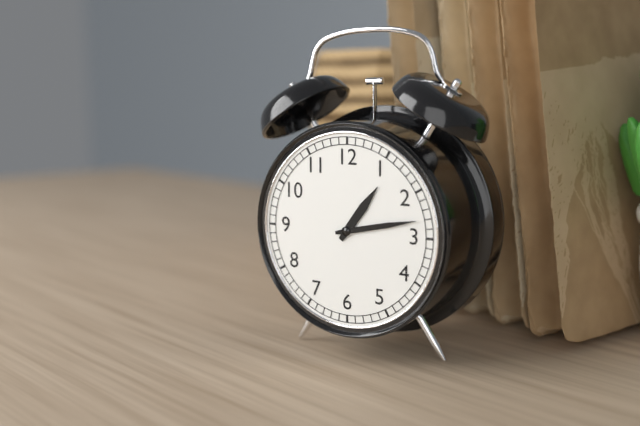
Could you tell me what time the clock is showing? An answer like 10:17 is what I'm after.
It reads 1:13
